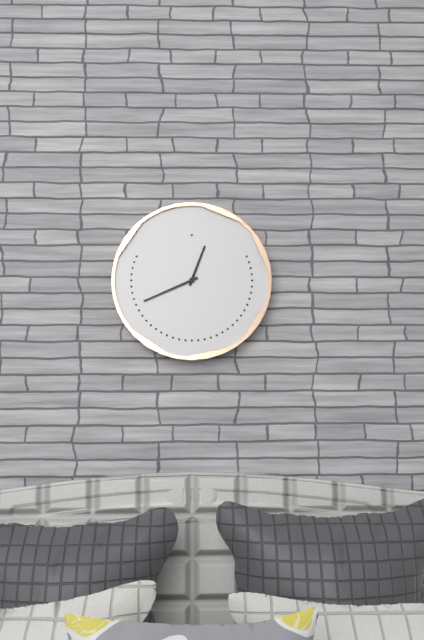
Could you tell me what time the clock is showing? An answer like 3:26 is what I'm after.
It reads 12:41
